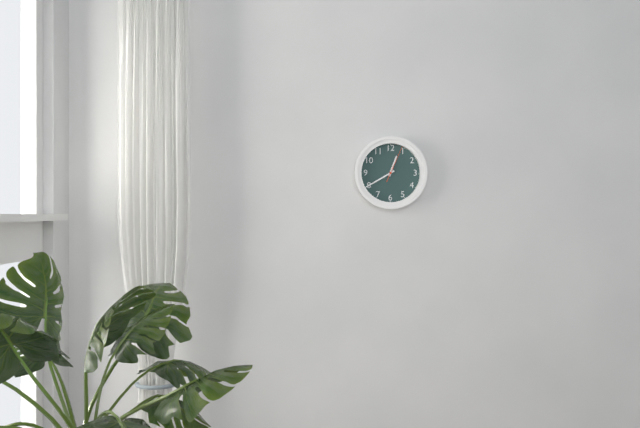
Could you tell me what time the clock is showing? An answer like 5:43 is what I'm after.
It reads 12:40
